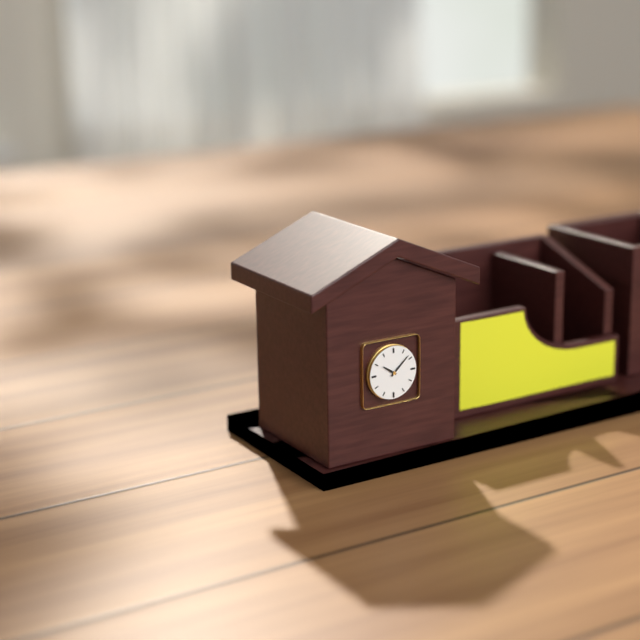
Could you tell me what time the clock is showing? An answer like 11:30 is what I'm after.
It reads 10:08
